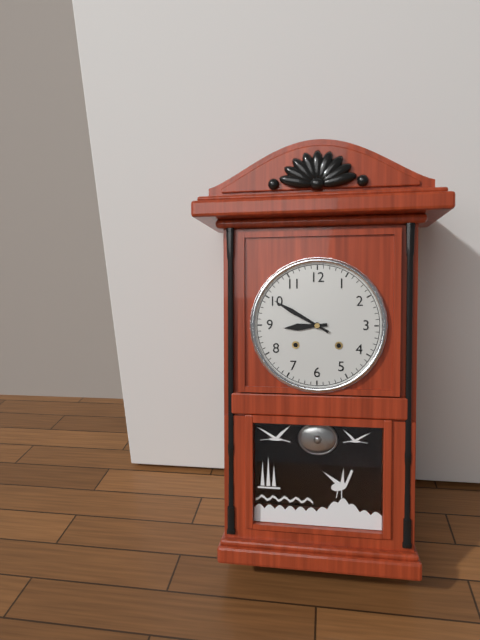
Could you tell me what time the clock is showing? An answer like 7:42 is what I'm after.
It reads 8:50
